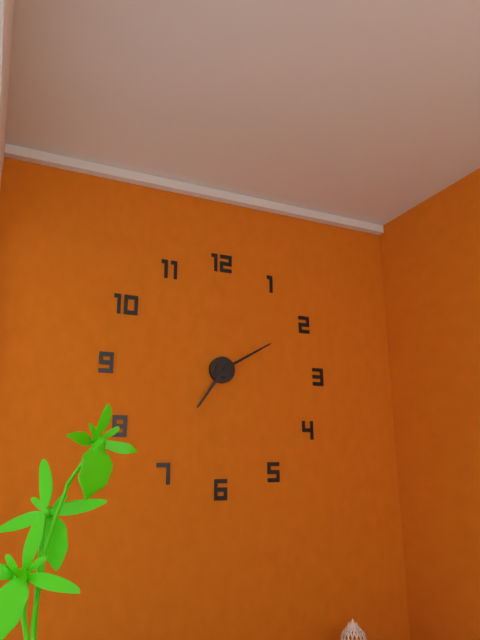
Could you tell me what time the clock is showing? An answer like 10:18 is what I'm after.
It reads 7:10
